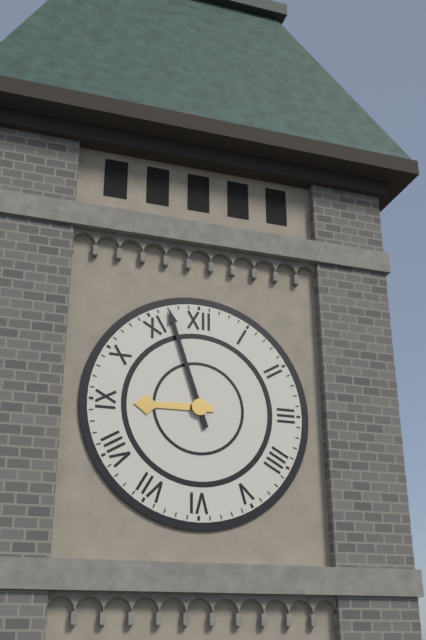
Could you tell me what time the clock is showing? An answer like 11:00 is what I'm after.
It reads 8:57
